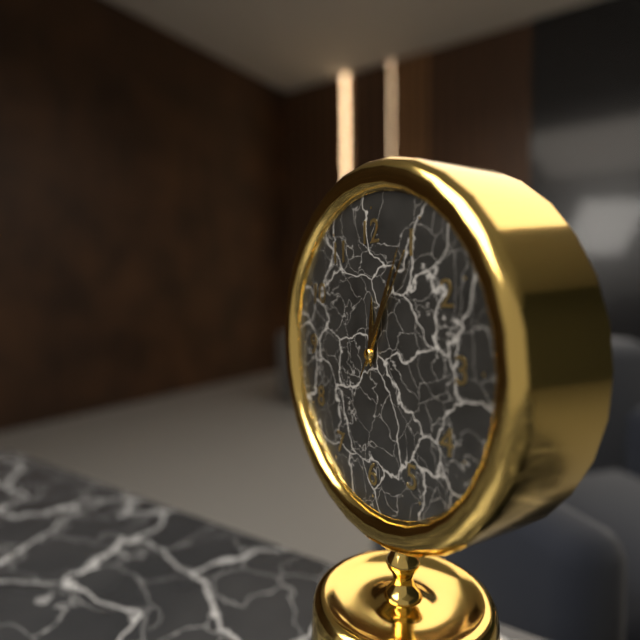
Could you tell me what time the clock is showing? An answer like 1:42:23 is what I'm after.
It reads 12:04:05
